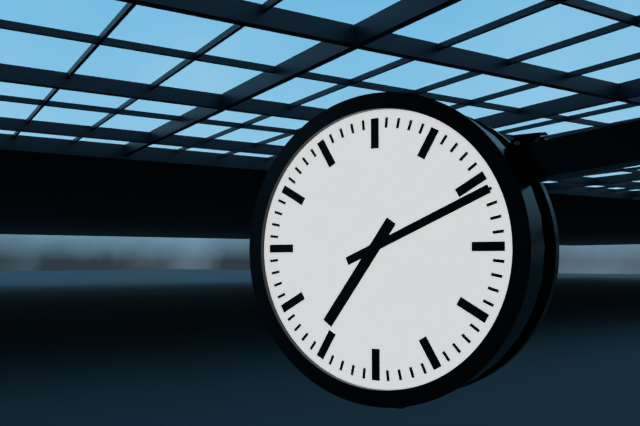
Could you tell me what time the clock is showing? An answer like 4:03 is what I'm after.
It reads 7:11
